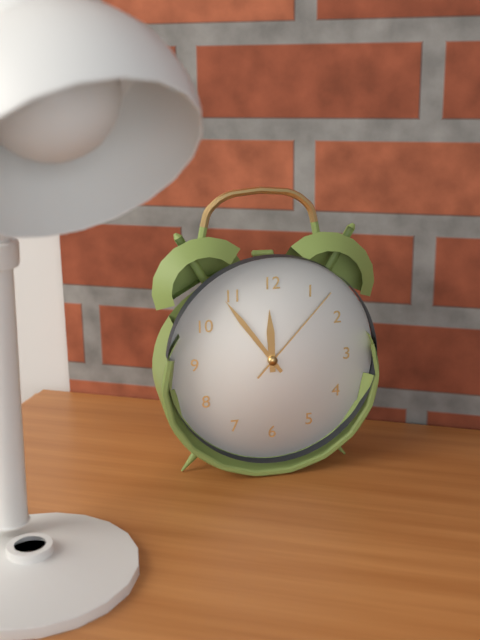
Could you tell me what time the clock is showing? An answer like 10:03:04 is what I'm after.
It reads 11:54:07
